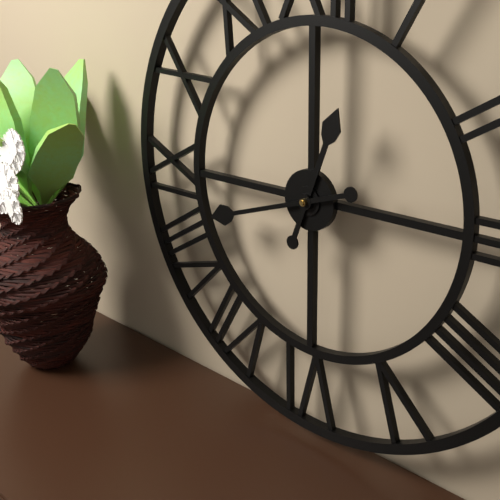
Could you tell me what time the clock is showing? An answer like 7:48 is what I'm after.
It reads 12:42
